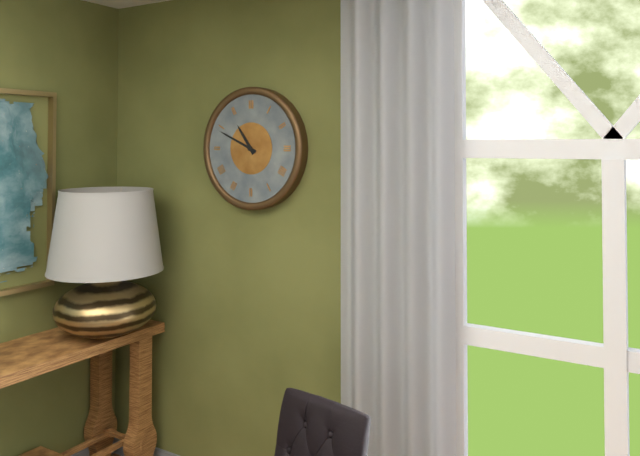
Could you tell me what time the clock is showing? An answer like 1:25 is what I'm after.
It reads 10:49
